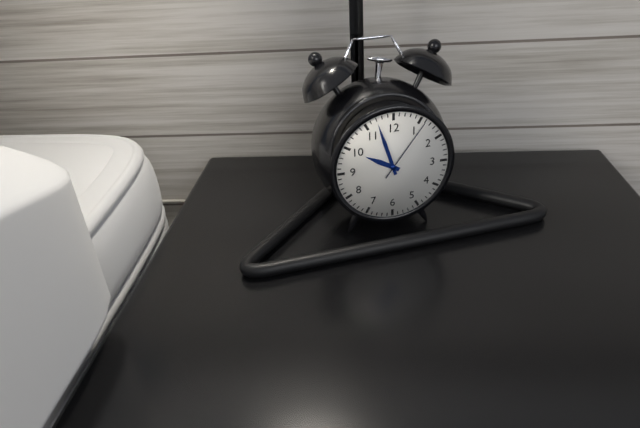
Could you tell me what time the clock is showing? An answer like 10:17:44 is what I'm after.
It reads 9:57:06
